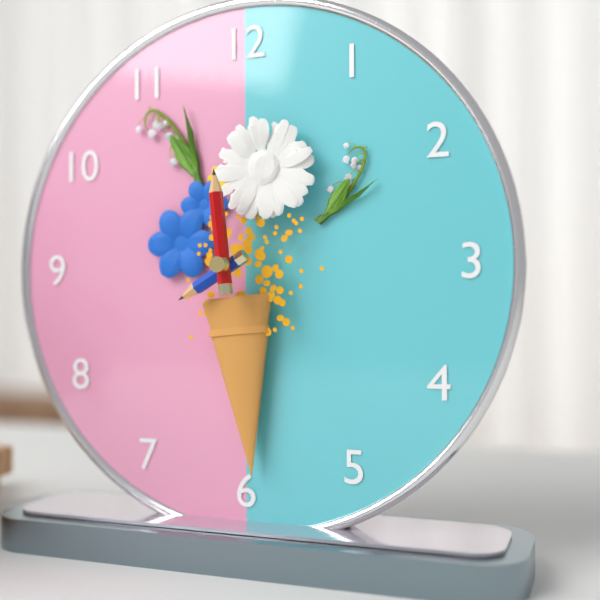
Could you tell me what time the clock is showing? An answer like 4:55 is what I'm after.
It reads 7:59
